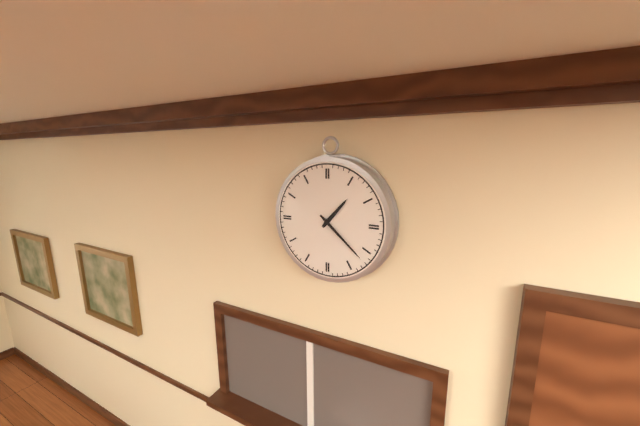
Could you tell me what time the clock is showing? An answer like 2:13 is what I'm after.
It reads 1:22
